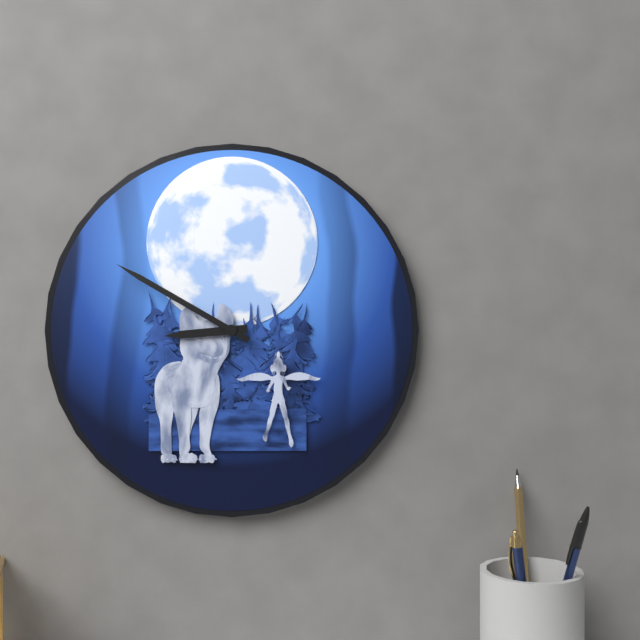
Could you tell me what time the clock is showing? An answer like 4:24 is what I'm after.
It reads 8:50
